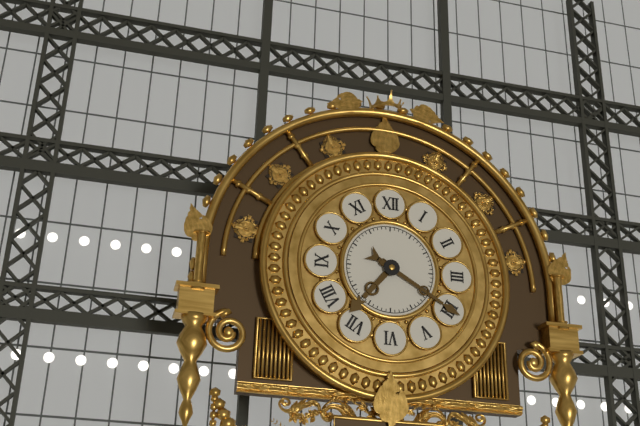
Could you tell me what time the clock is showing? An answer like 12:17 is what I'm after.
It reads 7:20
